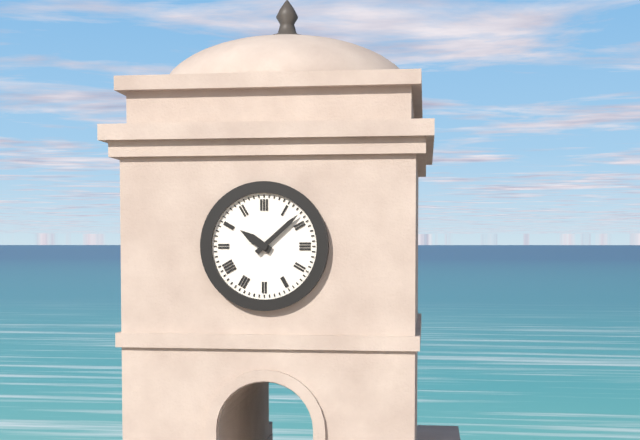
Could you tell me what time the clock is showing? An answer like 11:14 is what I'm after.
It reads 10:08
